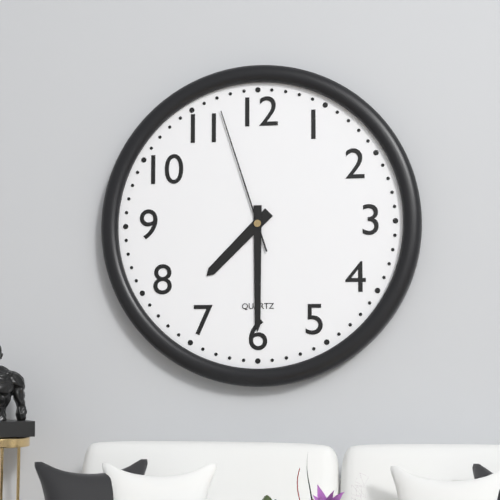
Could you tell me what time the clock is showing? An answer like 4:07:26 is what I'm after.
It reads 7:30:57
